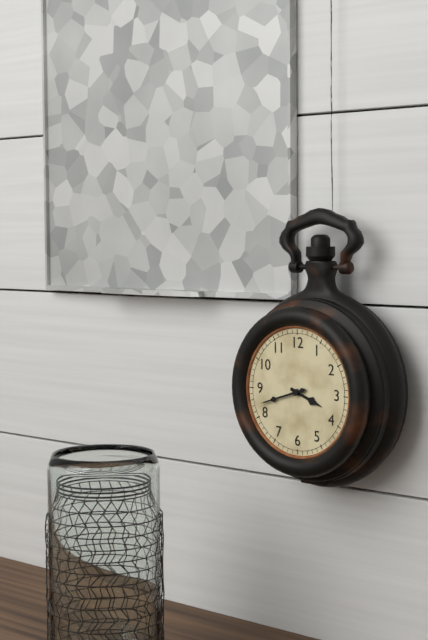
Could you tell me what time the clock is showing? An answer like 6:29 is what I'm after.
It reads 3:42
